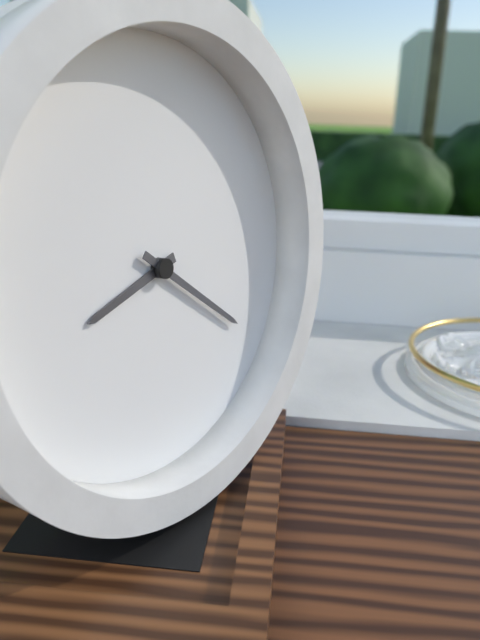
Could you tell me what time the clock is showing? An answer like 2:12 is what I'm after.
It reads 8:21
